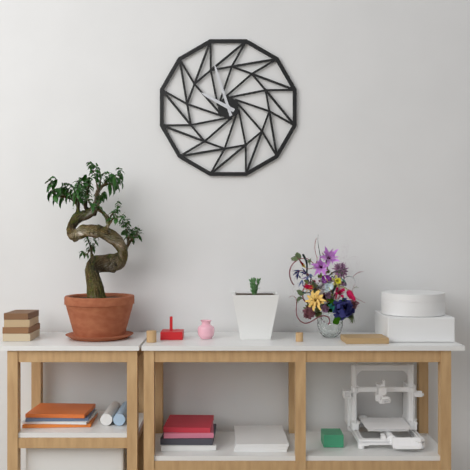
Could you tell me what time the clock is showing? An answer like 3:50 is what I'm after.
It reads 9:57
